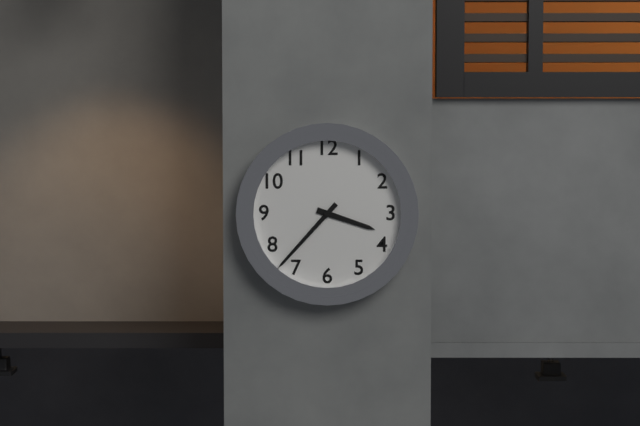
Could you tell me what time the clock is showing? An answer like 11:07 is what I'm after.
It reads 3:37
